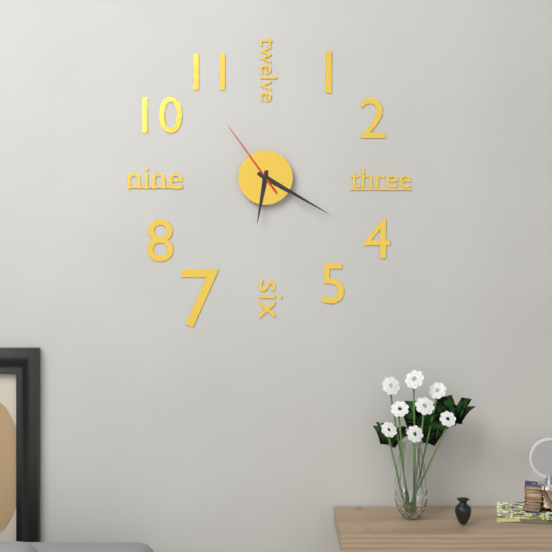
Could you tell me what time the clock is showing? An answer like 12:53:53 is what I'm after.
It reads 6:20:54
